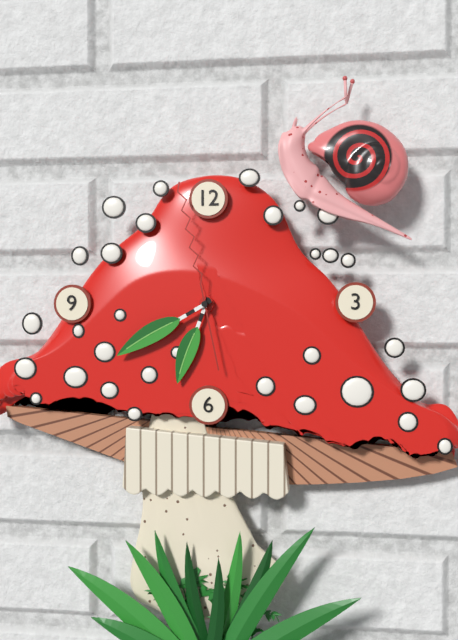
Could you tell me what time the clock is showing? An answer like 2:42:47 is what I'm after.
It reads 6:40:58
